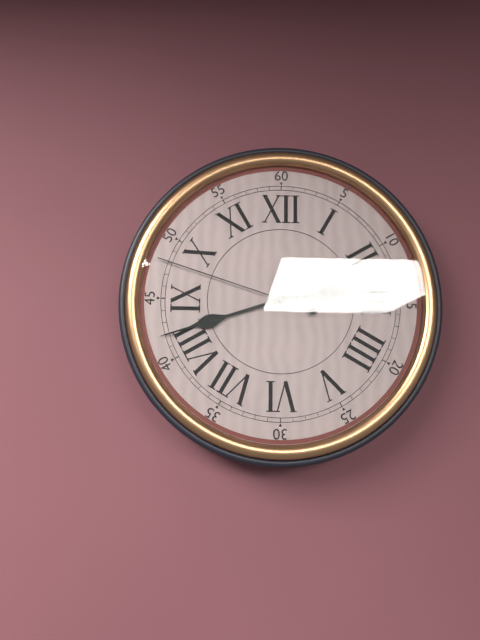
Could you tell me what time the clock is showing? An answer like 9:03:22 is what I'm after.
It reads 2:42:48
